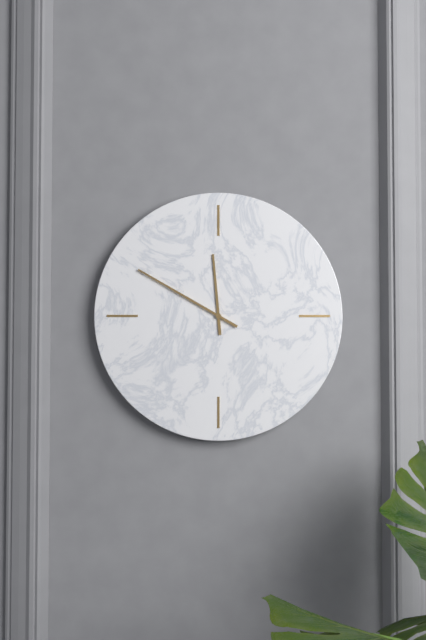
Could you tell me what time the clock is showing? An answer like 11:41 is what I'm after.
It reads 11:50
